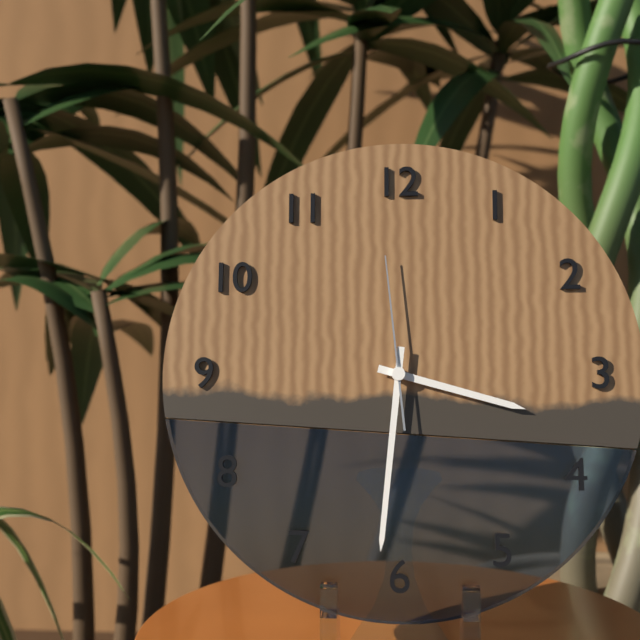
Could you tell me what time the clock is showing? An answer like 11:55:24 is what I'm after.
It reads 3:31:59
